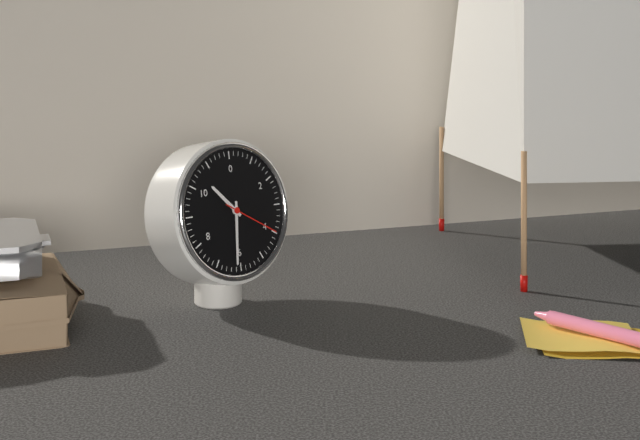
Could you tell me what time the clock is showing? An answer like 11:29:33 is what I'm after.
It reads 10:31:20
